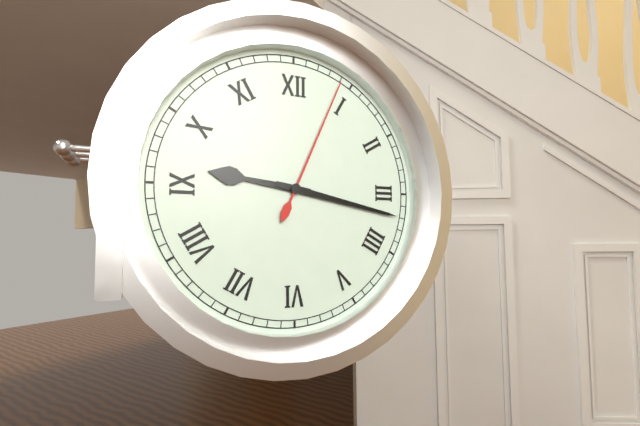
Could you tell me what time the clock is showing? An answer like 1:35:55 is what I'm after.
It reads 9:17:04
